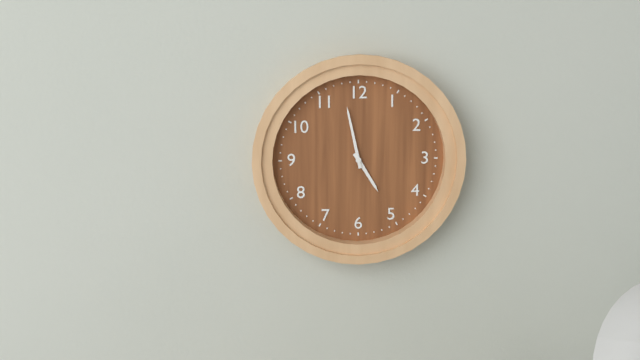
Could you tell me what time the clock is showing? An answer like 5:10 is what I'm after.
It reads 4:58
